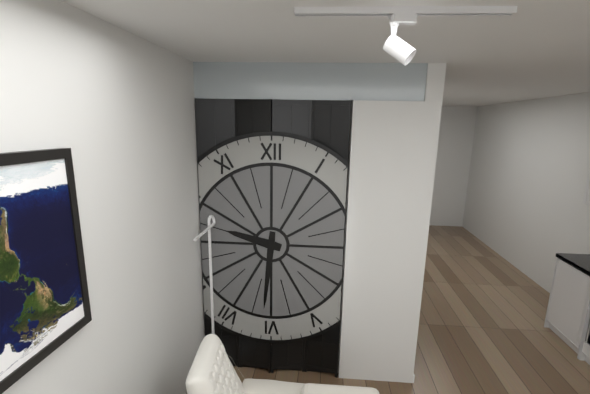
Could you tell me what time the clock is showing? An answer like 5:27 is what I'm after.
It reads 9:31
